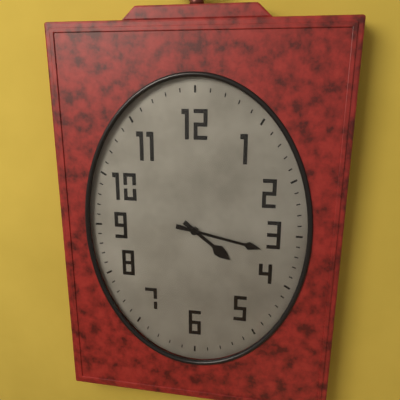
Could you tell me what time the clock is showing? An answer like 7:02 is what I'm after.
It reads 4:17
